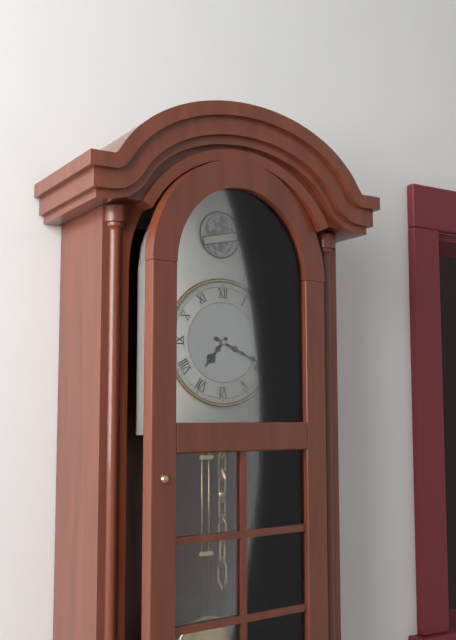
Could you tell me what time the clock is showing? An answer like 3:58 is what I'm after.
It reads 7:19
